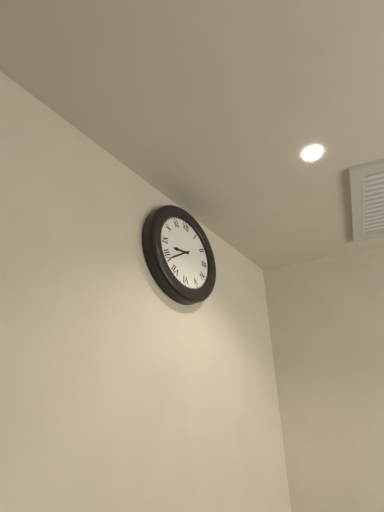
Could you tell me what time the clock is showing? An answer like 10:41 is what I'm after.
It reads 8:39
